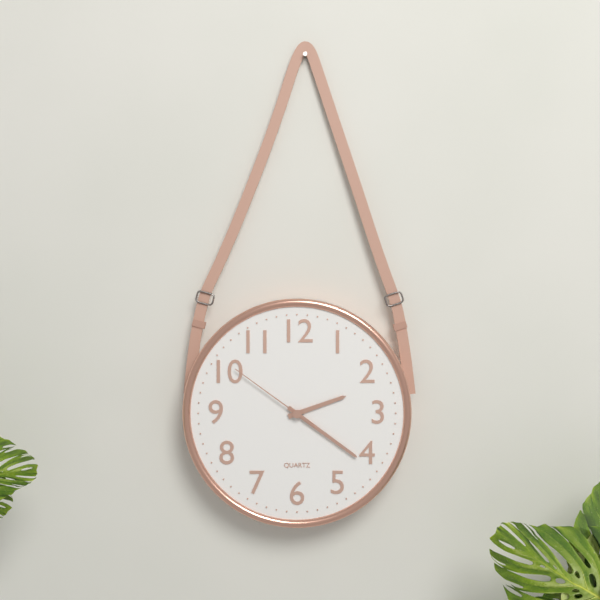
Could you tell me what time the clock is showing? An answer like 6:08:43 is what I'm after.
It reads 2:21:51
